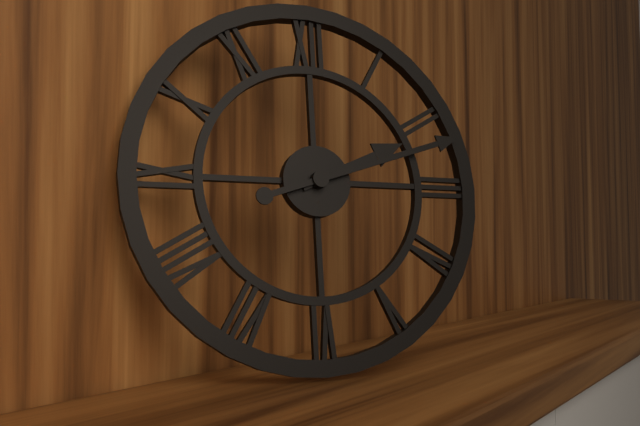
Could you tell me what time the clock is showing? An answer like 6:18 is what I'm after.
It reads 2:12
